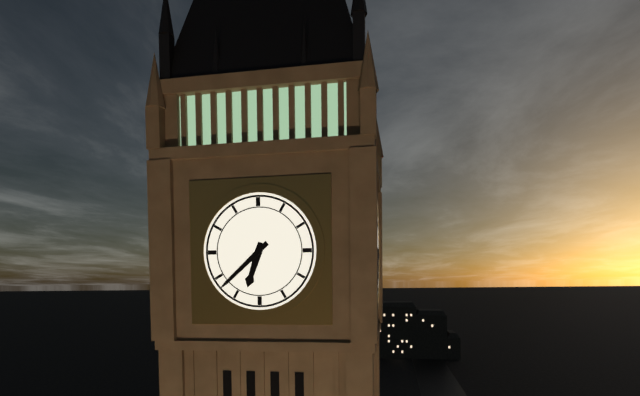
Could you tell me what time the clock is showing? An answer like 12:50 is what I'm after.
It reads 6:38
